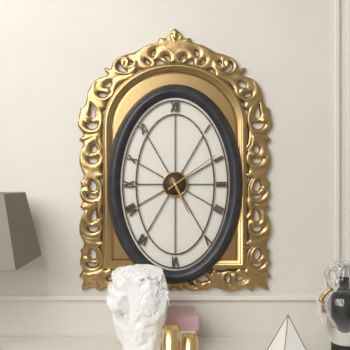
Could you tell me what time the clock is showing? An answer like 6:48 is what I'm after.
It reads 5:09
